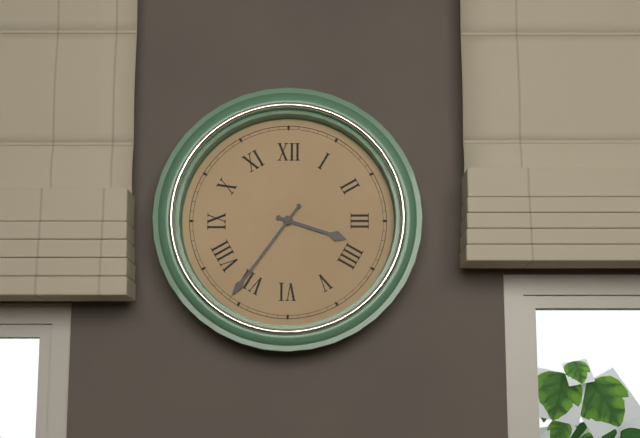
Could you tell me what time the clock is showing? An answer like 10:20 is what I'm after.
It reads 3:36
